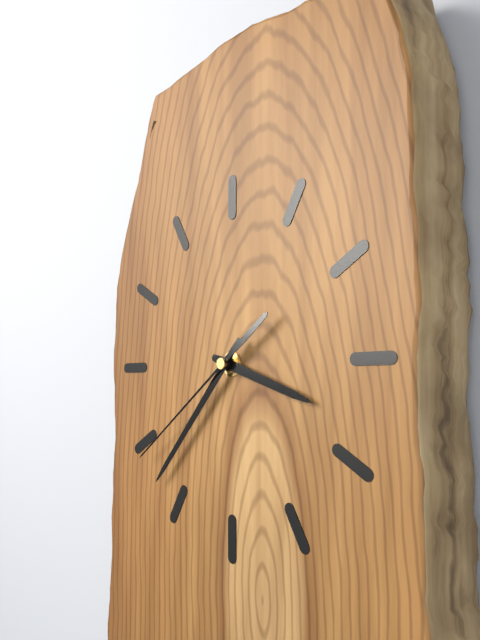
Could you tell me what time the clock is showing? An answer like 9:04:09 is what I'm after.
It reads 3:37:39
